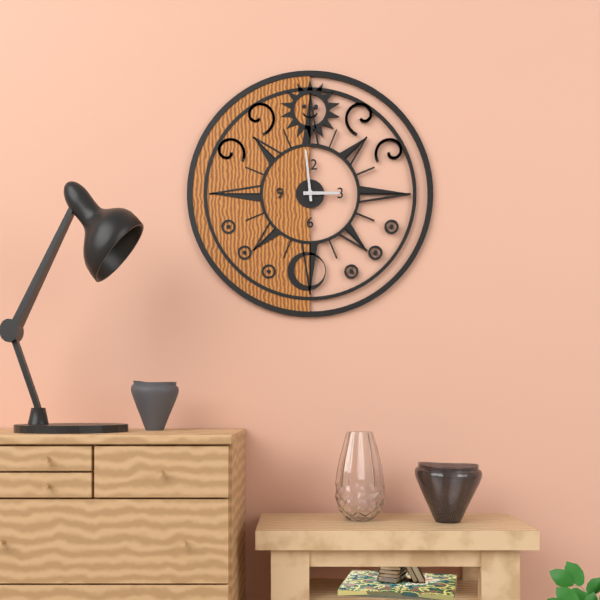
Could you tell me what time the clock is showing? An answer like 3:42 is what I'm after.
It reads 2:59
